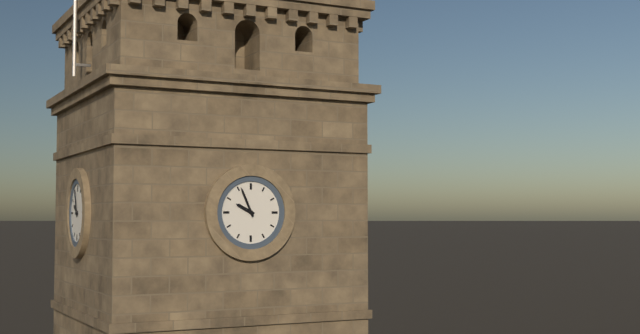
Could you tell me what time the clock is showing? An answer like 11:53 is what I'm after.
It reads 9:56
